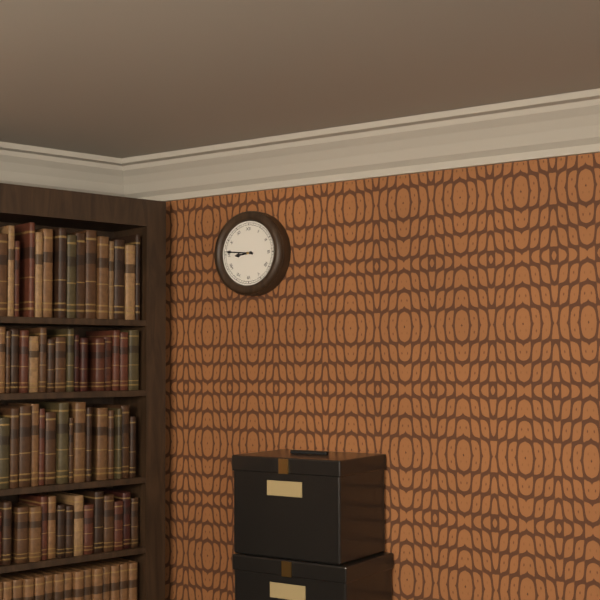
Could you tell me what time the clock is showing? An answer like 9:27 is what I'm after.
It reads 8:46
